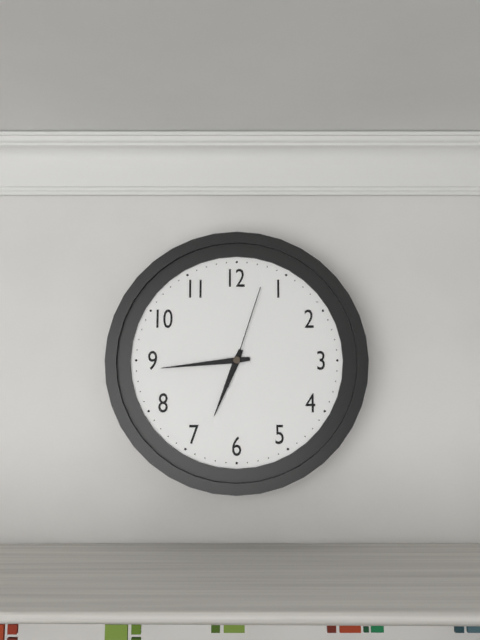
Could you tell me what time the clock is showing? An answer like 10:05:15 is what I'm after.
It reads 6:44:03
